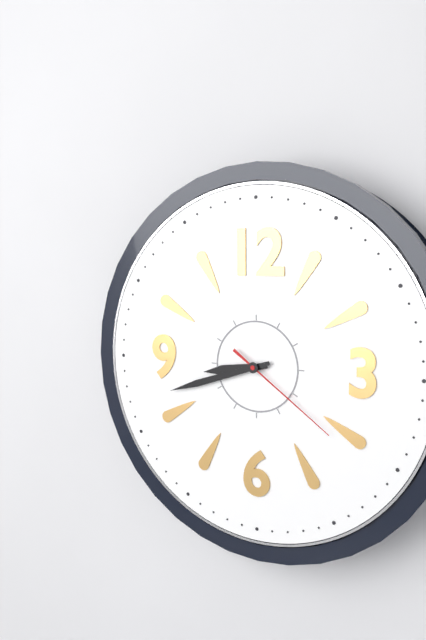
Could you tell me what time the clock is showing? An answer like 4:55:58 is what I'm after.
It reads 8:42:21
